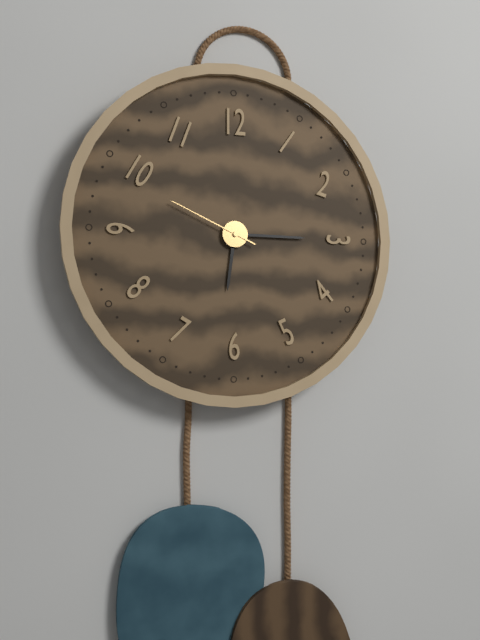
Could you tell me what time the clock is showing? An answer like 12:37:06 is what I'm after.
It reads 6:15:49
